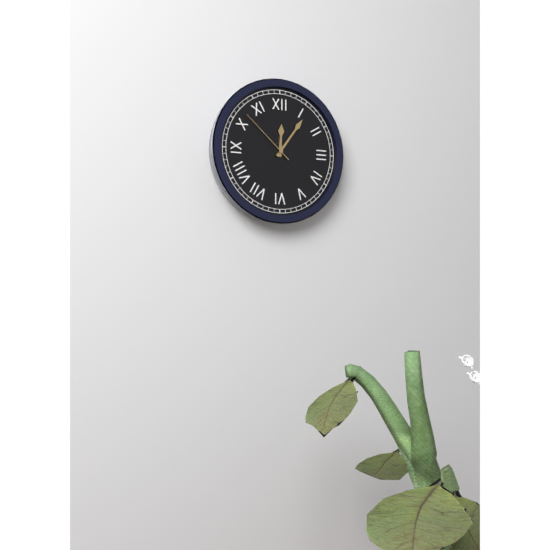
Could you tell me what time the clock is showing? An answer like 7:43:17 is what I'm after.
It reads 12:06:52
